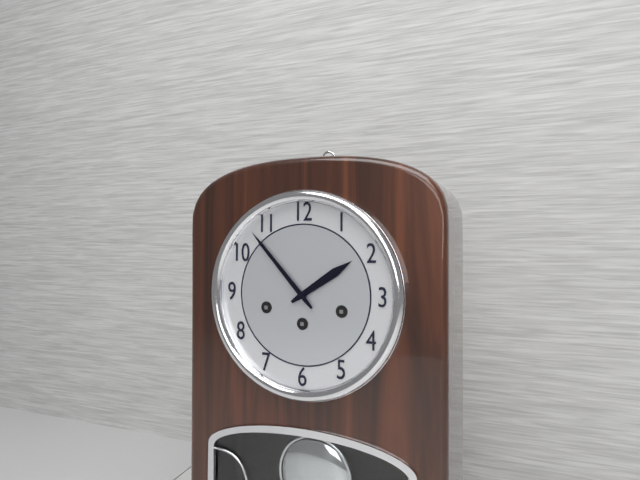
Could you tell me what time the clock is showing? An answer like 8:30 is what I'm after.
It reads 1:53
